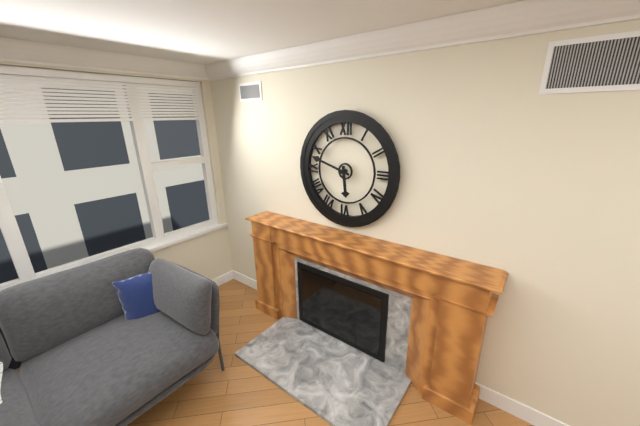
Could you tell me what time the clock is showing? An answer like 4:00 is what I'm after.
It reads 5:48
